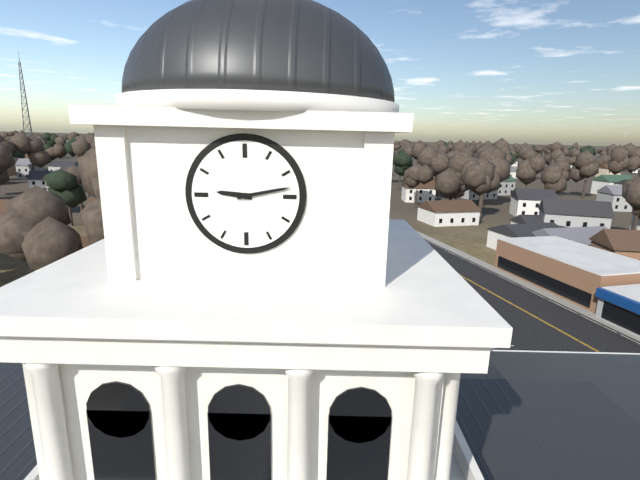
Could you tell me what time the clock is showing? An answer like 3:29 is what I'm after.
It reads 9:13
